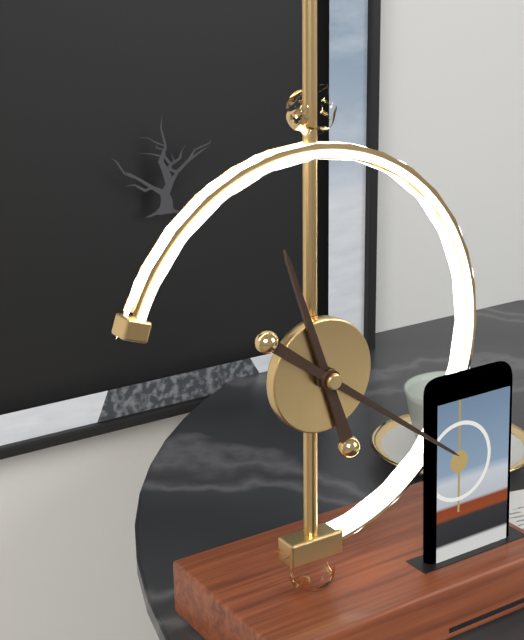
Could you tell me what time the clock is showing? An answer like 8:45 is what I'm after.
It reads 11:21
